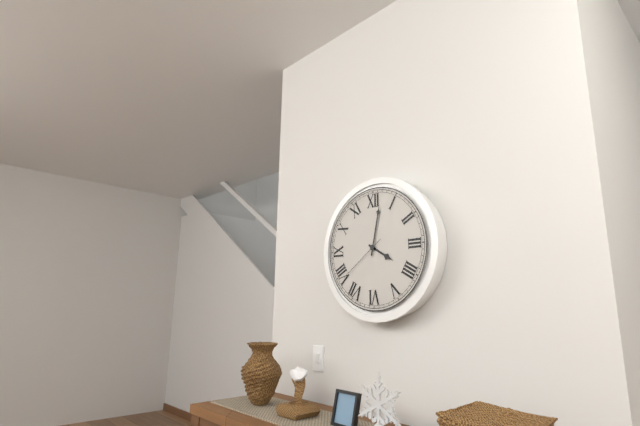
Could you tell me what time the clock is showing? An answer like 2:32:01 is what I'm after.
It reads 4:02:39
